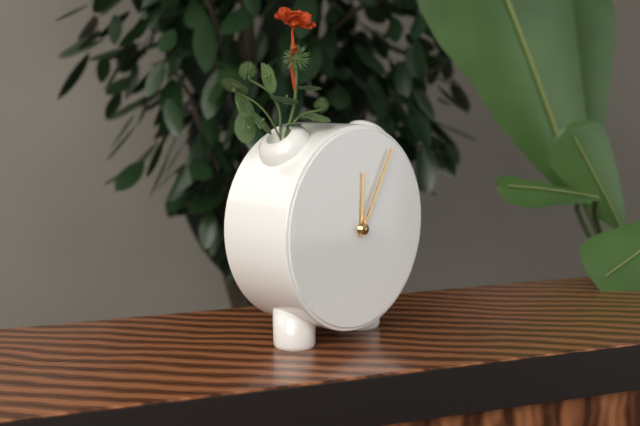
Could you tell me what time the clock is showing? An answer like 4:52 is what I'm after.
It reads 12:05
